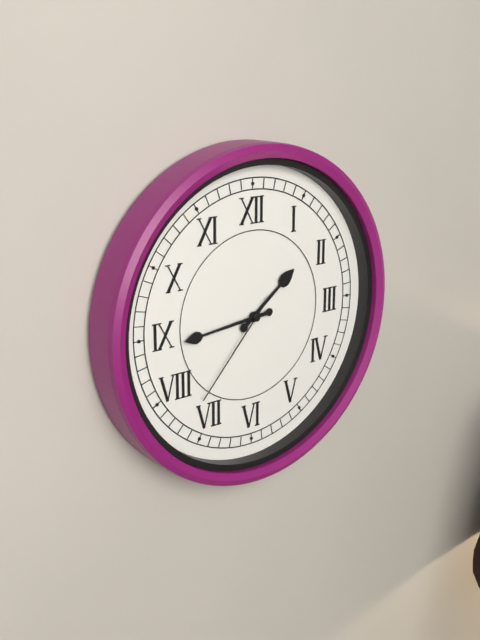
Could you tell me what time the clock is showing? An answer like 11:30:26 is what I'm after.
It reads 1:44:37
